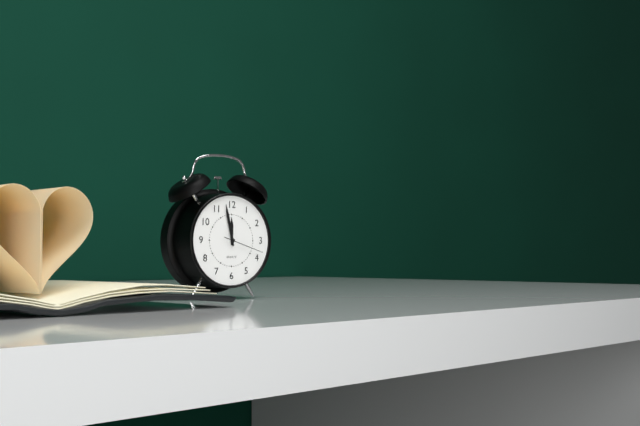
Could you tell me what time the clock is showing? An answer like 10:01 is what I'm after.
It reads 11:58
